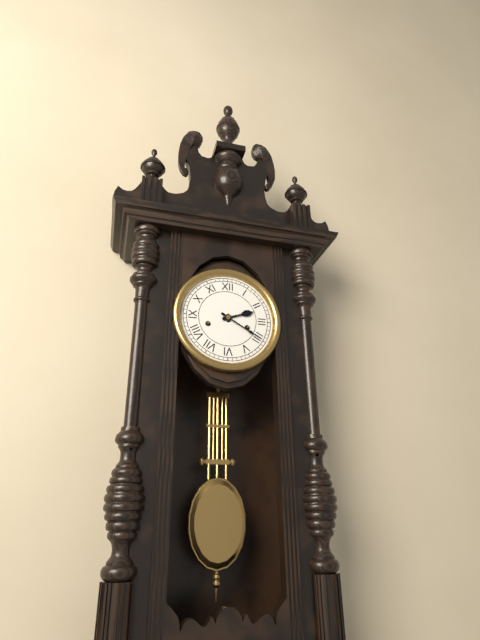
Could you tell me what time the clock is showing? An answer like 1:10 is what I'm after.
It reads 2:20
